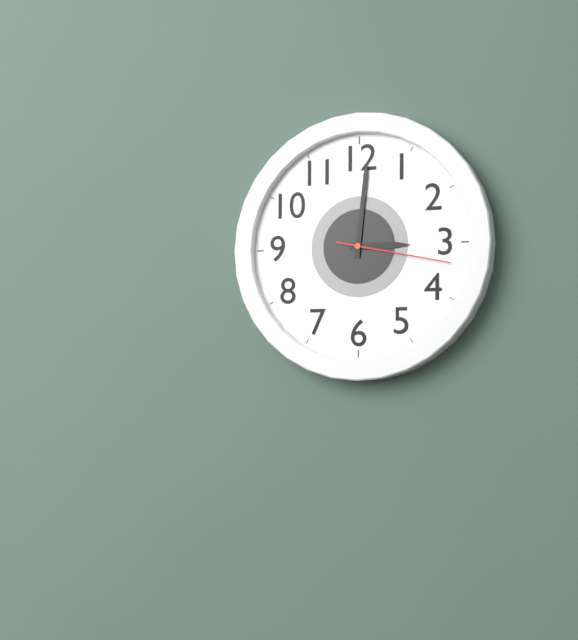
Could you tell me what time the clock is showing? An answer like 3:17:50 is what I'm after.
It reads 3:01:17
